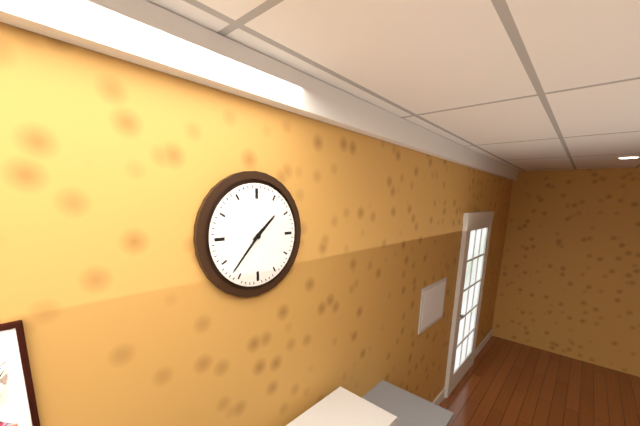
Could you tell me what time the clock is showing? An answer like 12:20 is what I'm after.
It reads 1:37
